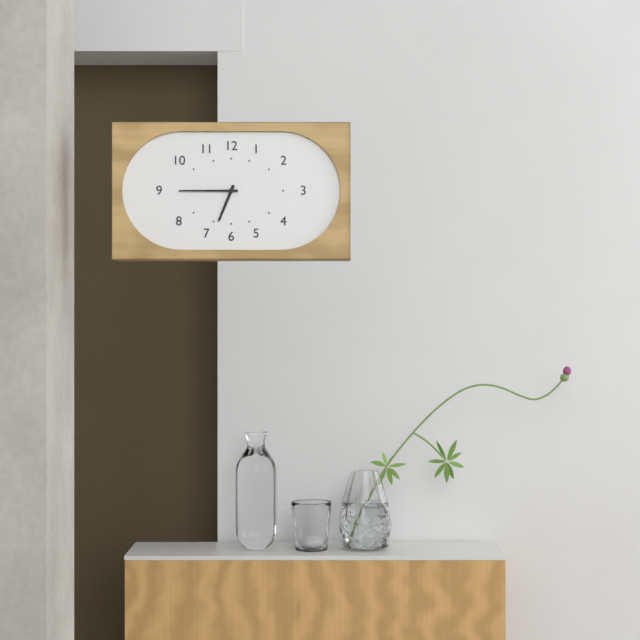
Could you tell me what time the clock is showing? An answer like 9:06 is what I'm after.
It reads 6:45
